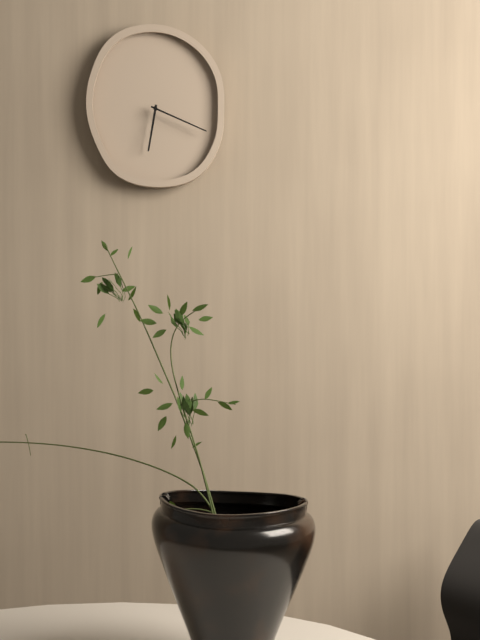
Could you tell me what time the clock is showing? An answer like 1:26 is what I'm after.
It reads 6:19
